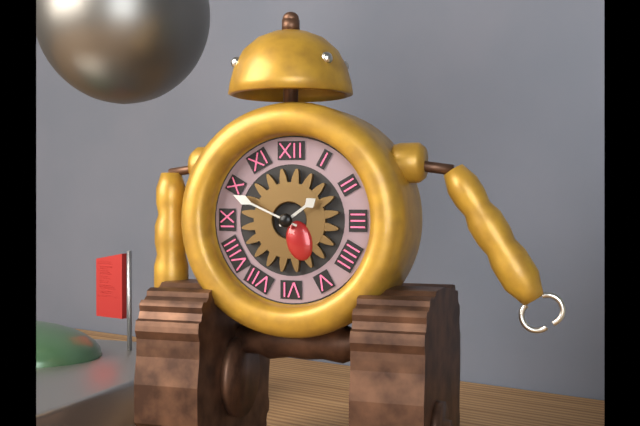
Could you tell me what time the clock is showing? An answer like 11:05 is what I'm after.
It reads 1:49
